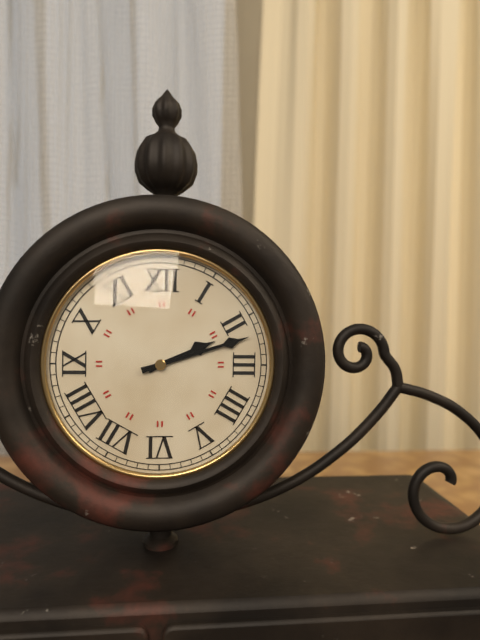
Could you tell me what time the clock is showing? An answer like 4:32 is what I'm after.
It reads 2:12
